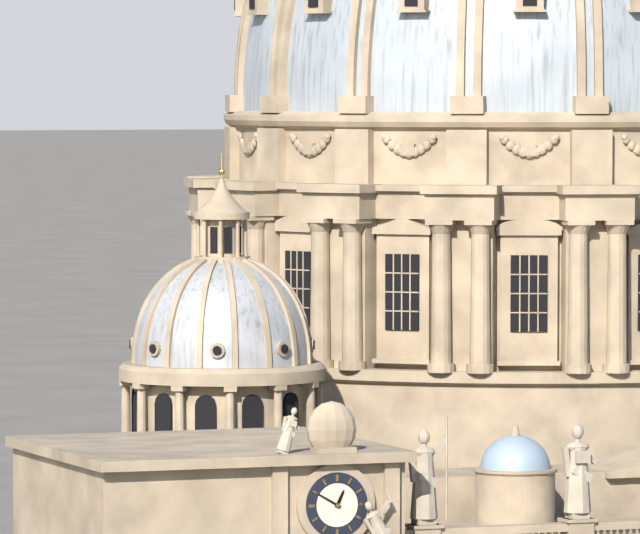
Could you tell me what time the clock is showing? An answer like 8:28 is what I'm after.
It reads 12:50
